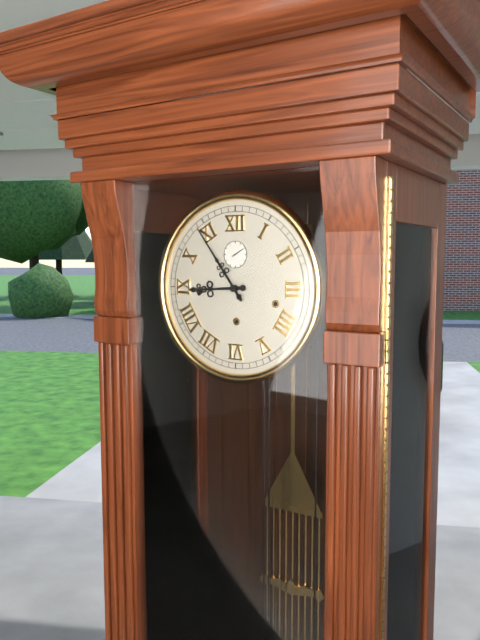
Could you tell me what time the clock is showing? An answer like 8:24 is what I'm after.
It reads 8:54
